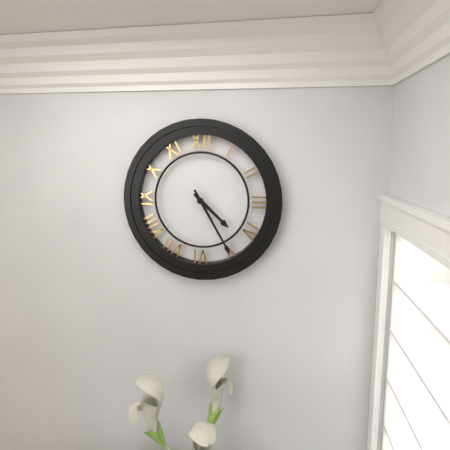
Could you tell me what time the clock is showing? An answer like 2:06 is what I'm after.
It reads 4:25
